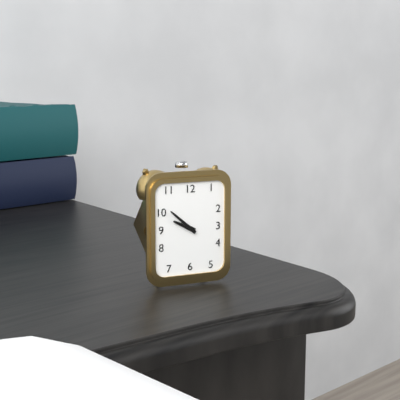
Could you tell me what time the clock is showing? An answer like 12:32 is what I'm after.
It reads 9:52
